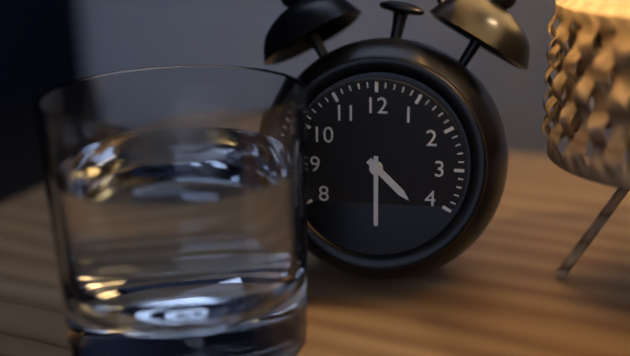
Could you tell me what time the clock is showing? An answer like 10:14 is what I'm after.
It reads 4:30
